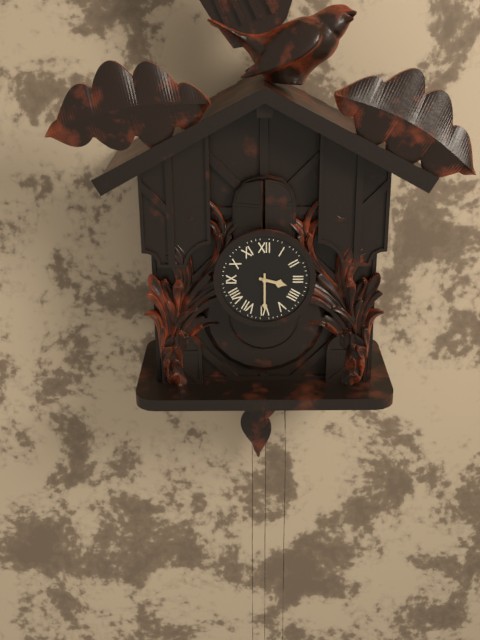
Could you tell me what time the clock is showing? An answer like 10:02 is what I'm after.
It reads 3:30
